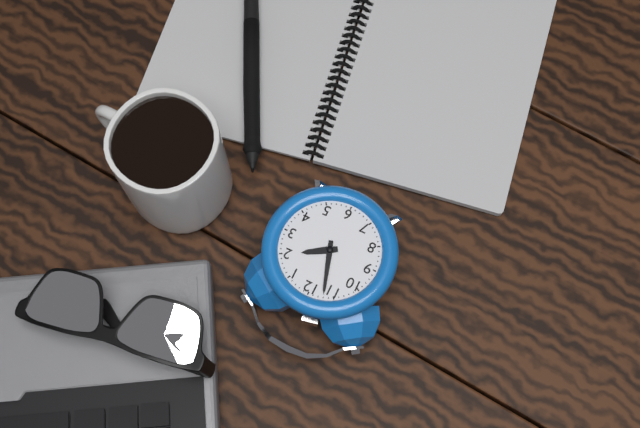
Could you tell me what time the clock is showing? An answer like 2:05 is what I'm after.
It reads 1:57
